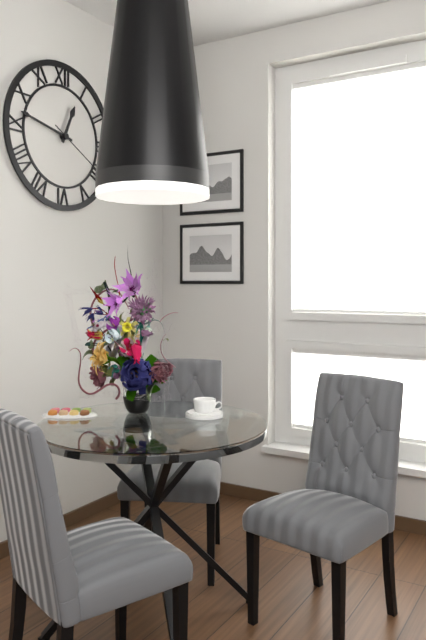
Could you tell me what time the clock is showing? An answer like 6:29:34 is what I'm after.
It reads 12:47:20
